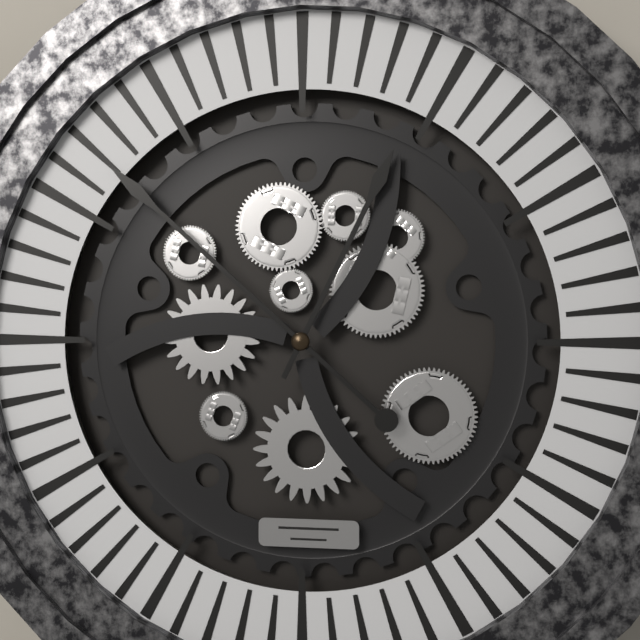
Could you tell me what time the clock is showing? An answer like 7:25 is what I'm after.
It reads 12:52
